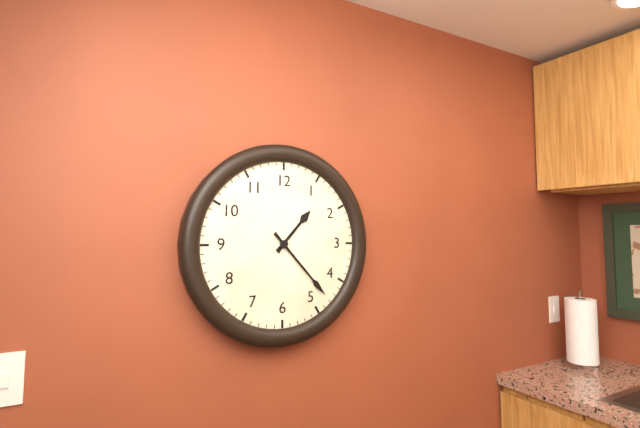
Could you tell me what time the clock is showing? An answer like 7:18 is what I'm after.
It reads 1:23
